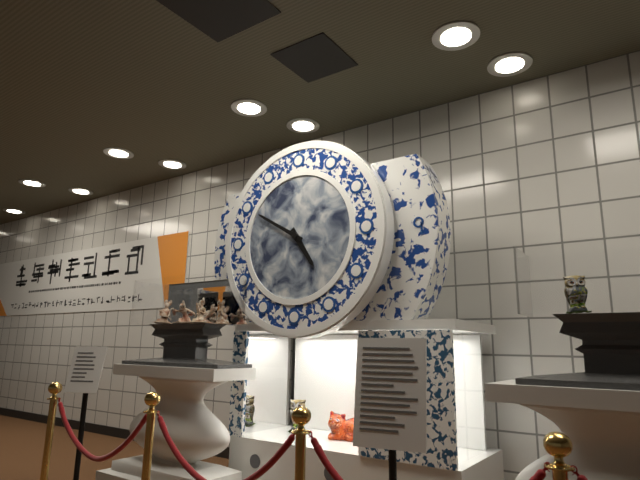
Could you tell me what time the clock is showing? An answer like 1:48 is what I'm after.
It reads 4:50
